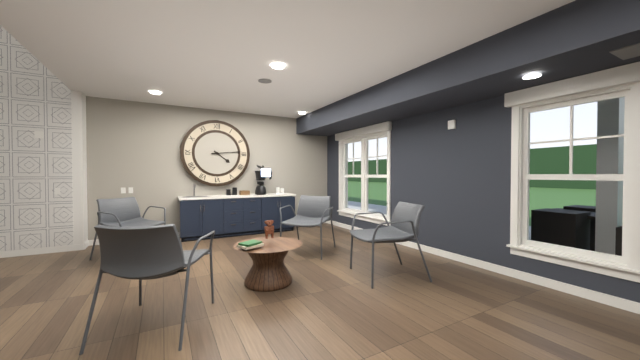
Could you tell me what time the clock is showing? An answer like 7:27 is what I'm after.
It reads 4:14
